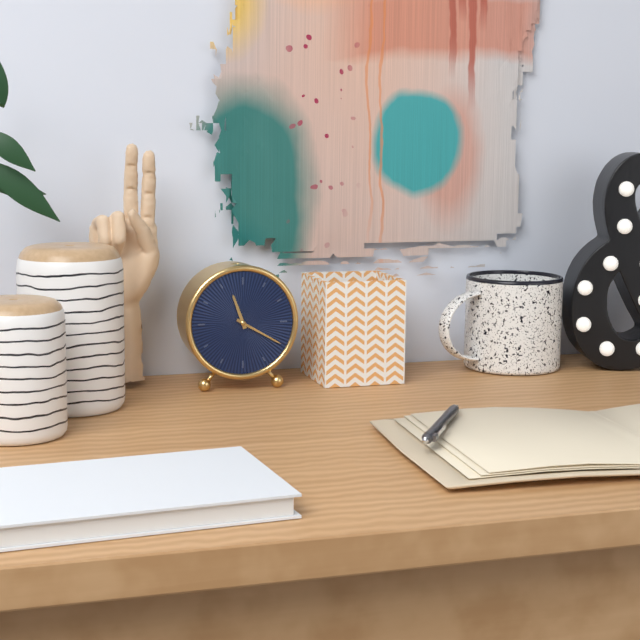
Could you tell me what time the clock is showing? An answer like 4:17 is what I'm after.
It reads 11:20
